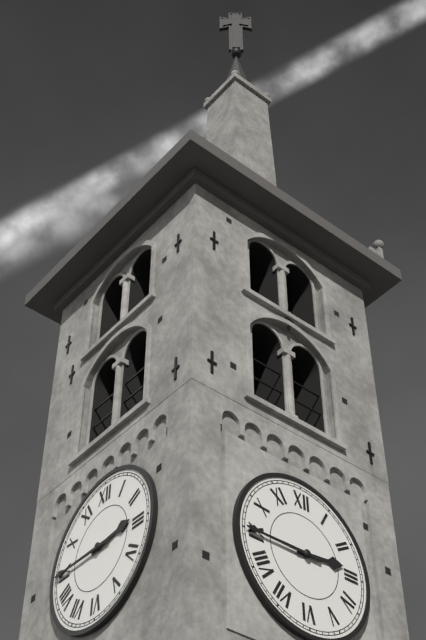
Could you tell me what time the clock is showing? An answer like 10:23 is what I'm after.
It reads 2:45
